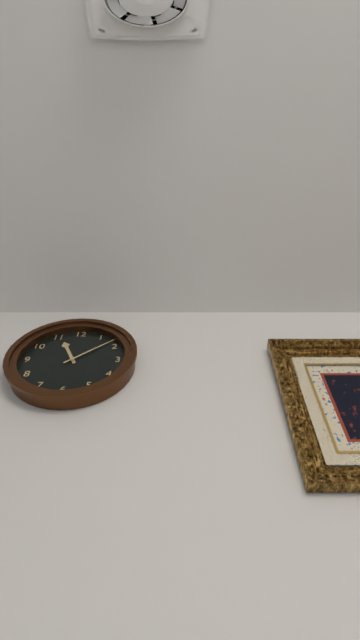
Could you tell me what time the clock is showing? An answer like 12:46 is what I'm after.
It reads 11:08
